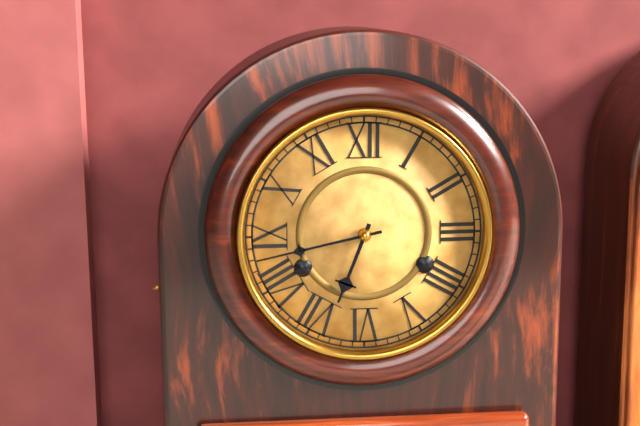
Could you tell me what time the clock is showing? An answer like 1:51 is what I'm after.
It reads 6:43
